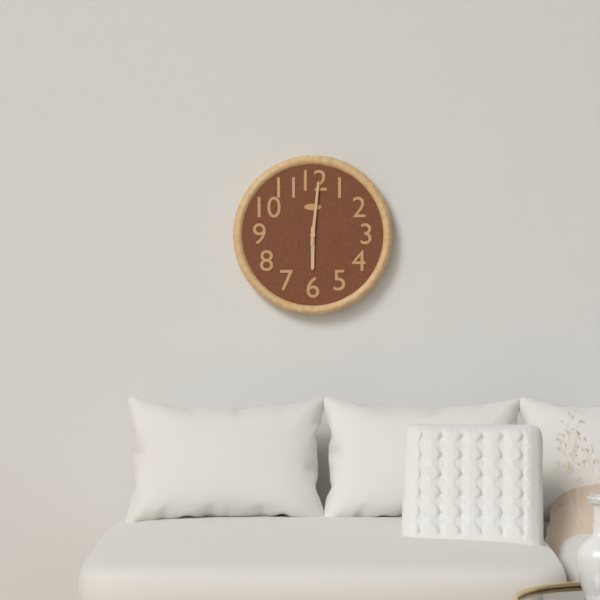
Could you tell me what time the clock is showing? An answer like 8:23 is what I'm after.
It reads 6:01
